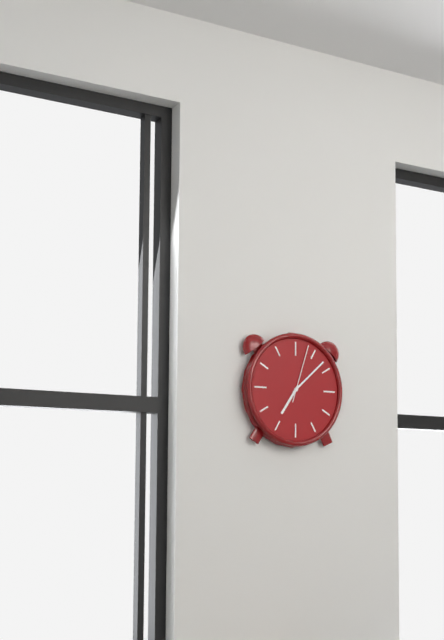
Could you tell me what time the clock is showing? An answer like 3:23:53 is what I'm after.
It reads 7:08:03
